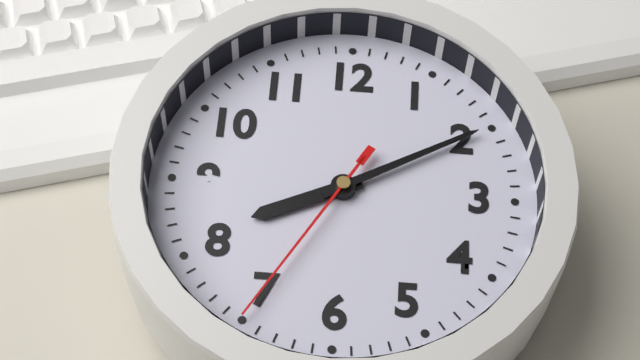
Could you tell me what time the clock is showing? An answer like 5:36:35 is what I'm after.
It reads 8:10:35
